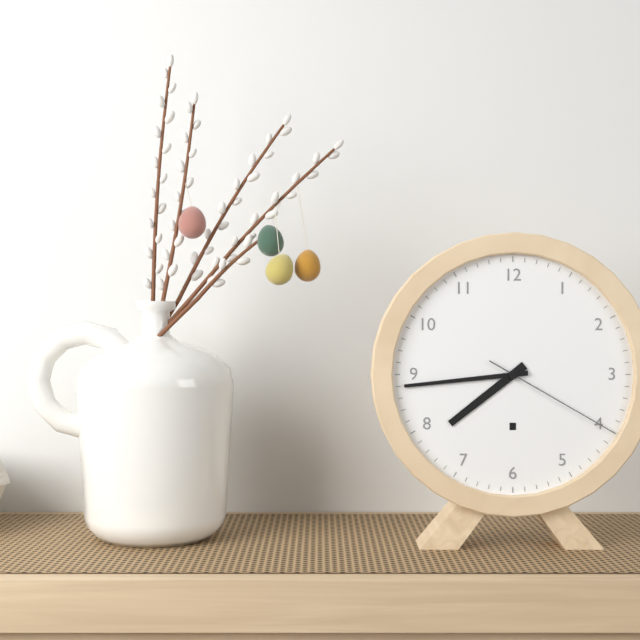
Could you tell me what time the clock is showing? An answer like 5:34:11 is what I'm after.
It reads 7:44:20
